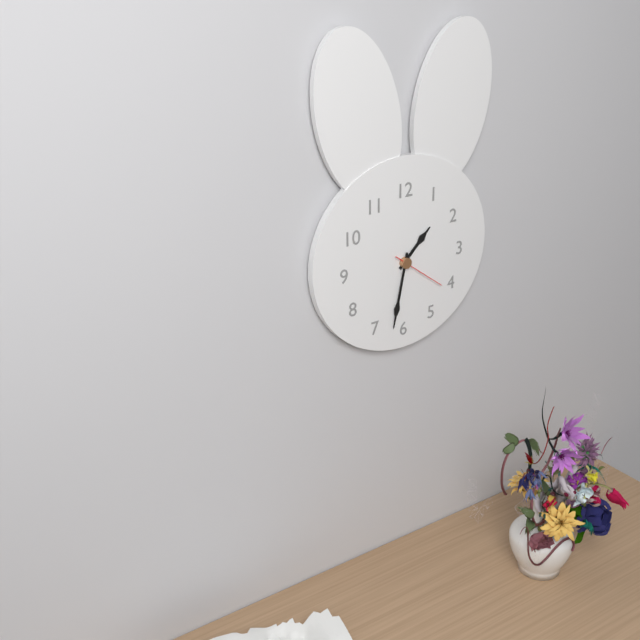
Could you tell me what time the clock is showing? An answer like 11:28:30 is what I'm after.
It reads 1:32:21
